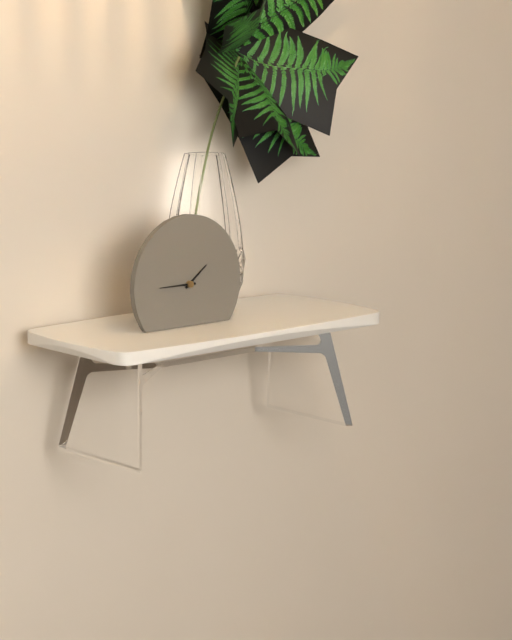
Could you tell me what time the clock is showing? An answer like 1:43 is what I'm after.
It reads 1:45
